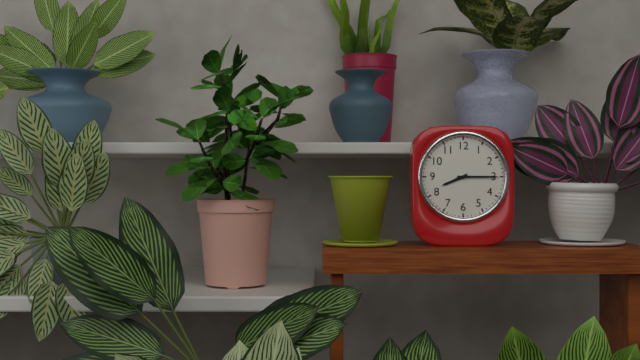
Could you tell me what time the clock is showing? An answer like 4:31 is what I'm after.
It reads 8:15
